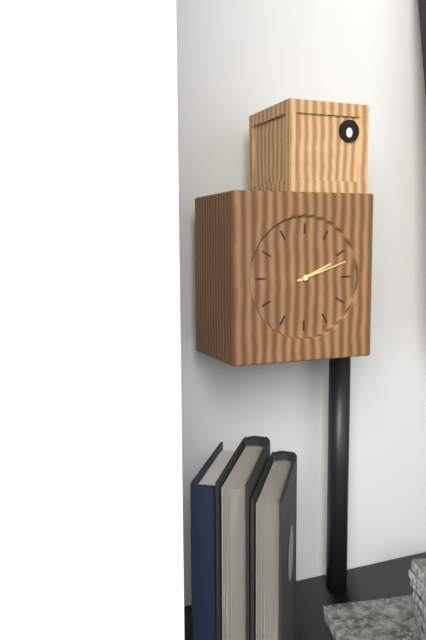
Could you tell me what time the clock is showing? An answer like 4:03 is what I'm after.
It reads 2:12
